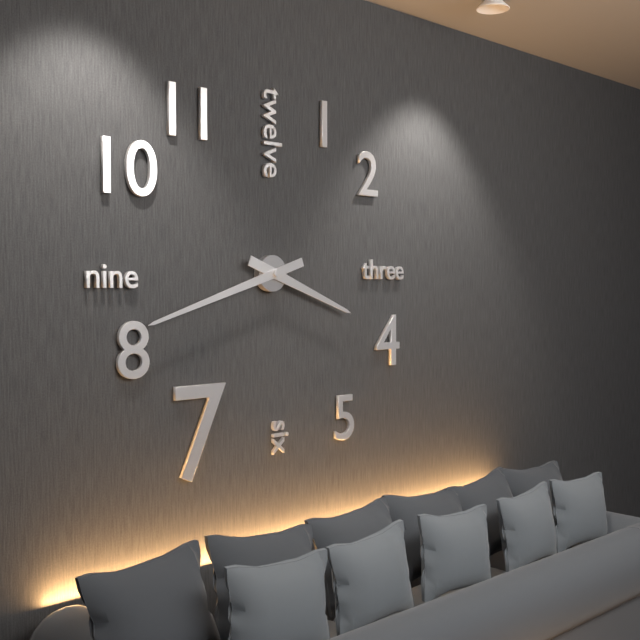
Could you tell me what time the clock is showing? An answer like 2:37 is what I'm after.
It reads 3:42
